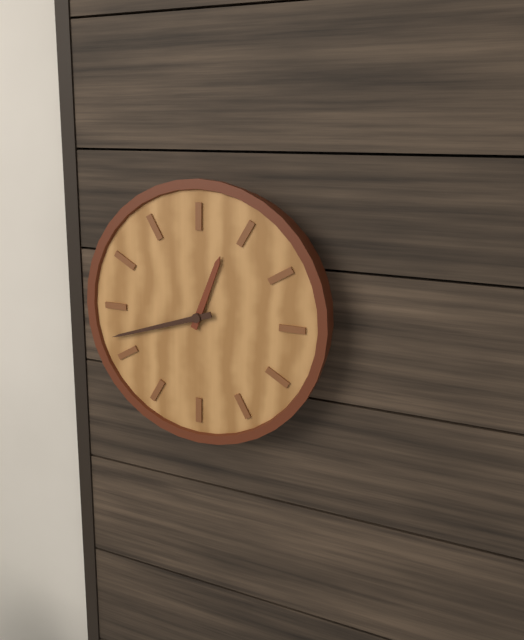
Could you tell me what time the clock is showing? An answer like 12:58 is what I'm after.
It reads 12:42
